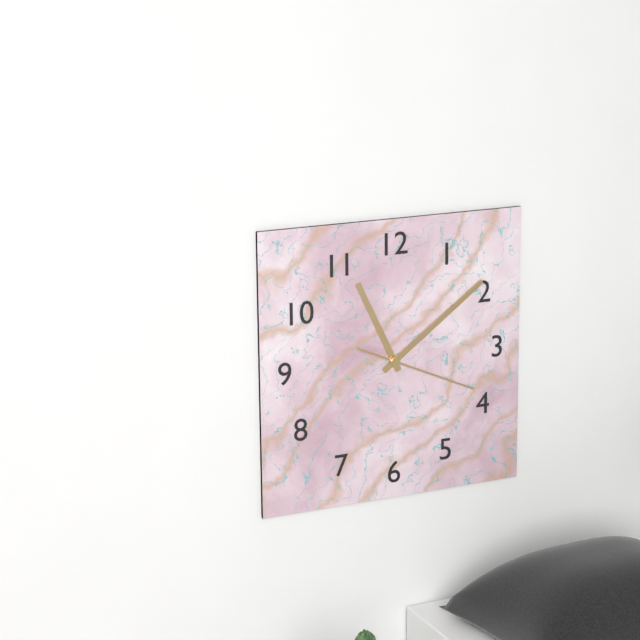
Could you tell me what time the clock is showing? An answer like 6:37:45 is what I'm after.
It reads 11:09:19
